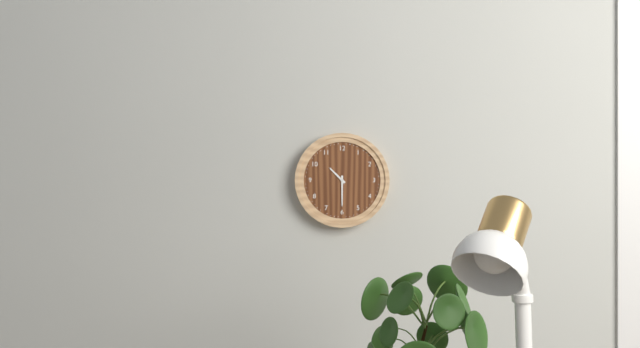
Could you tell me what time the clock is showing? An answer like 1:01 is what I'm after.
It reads 10:30
